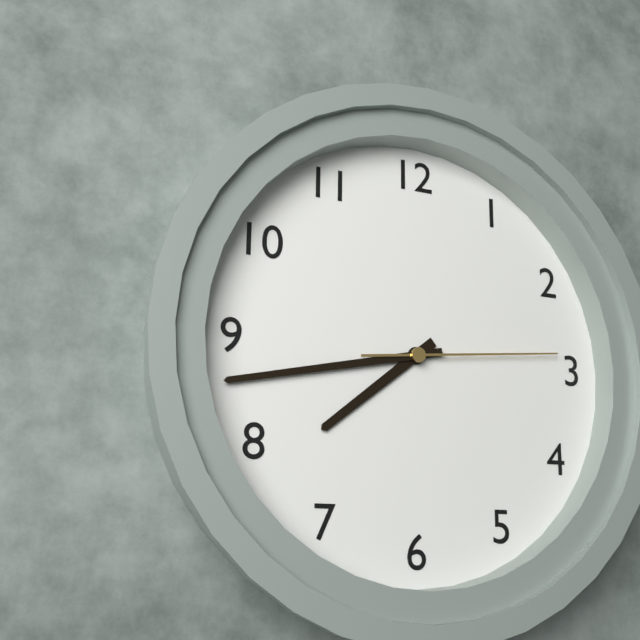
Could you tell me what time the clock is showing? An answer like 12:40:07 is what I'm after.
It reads 7:43:14
